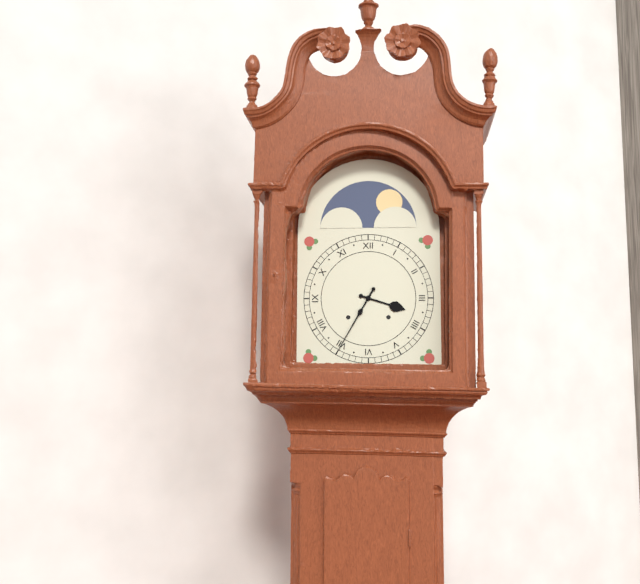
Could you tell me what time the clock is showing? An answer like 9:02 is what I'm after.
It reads 3:35
